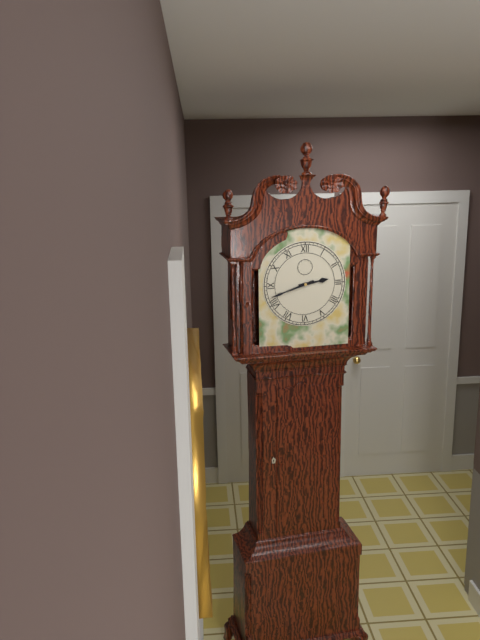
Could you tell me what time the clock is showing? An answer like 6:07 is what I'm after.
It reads 2:42
